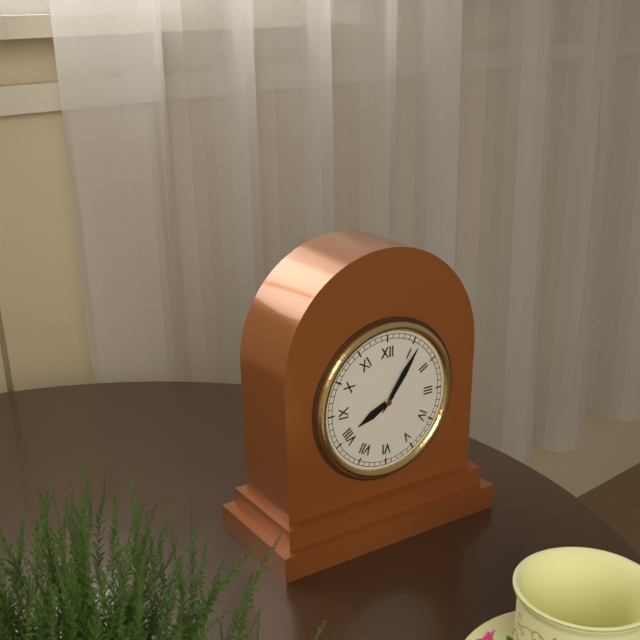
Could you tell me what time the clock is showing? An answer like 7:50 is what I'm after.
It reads 8:06
